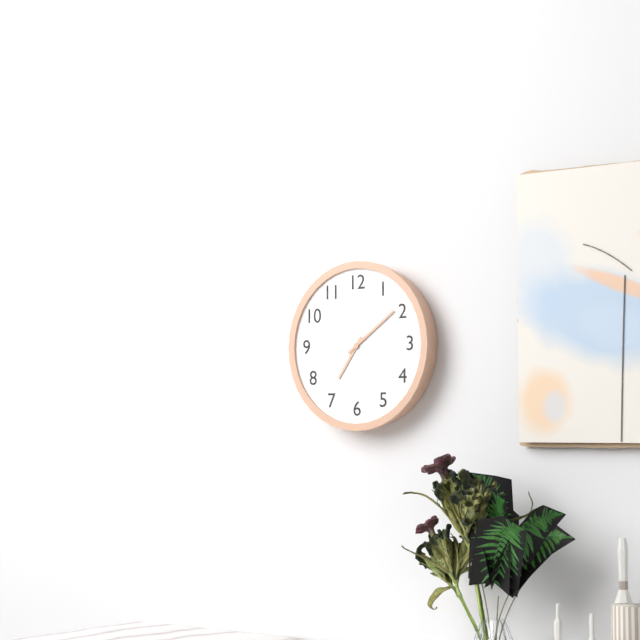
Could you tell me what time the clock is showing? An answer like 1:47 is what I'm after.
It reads 7:09
